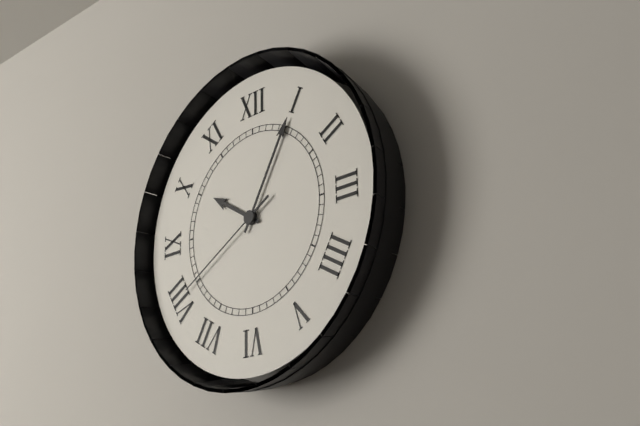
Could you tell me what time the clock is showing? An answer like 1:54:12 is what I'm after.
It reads 10:05:40
